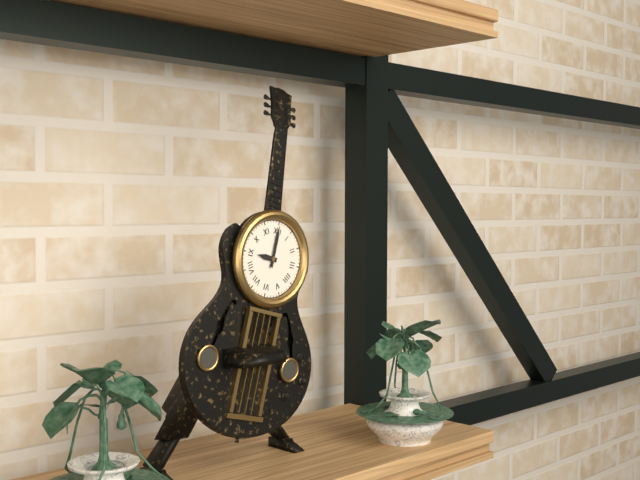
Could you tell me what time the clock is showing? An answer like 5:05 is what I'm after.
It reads 9:00
